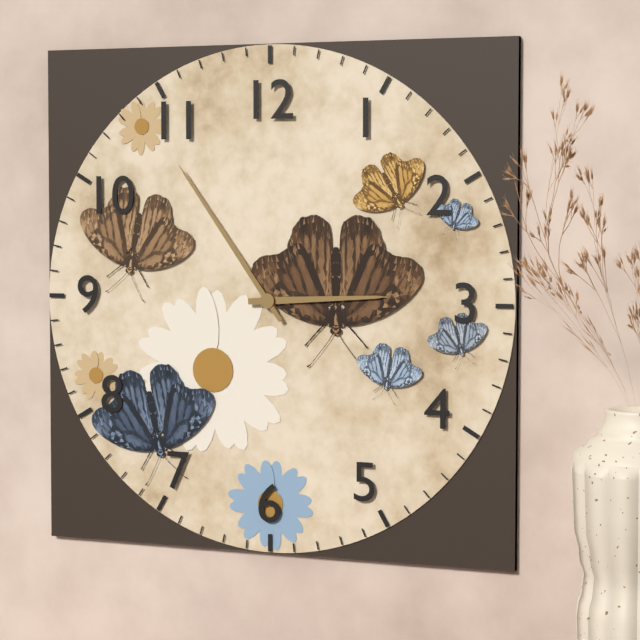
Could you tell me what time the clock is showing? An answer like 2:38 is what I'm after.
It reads 2:54
